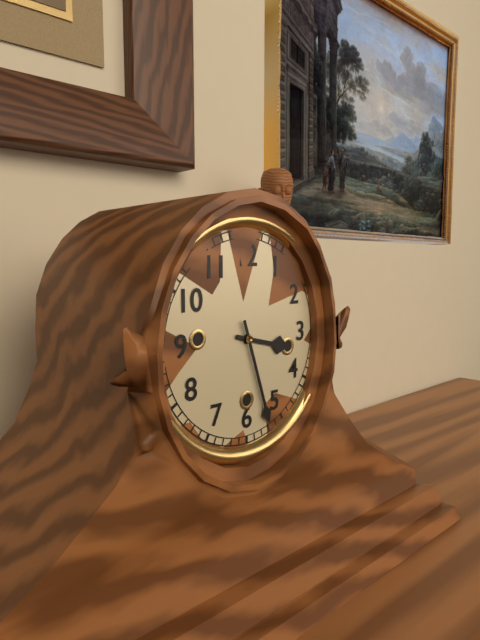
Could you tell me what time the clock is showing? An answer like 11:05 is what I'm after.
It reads 3:27
